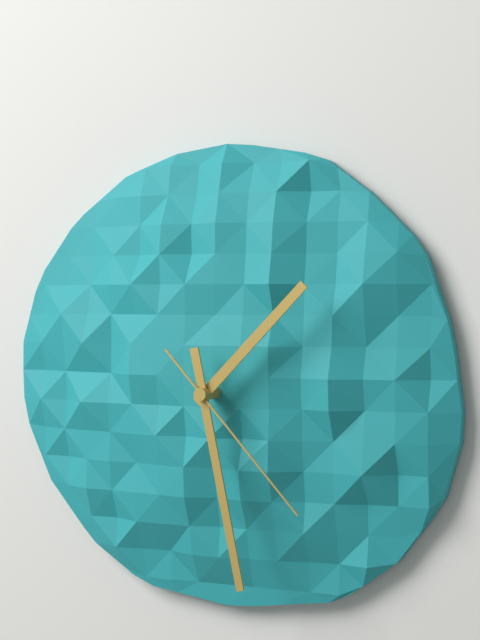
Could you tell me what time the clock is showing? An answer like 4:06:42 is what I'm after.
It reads 1:28:23
